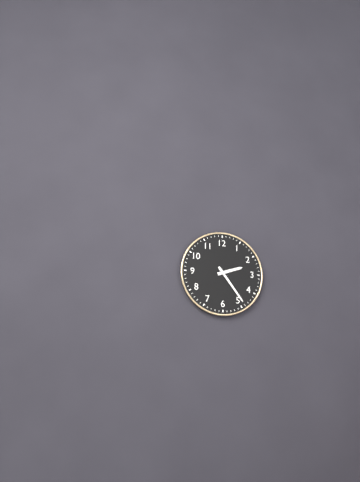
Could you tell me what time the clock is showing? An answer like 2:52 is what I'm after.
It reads 2:24
